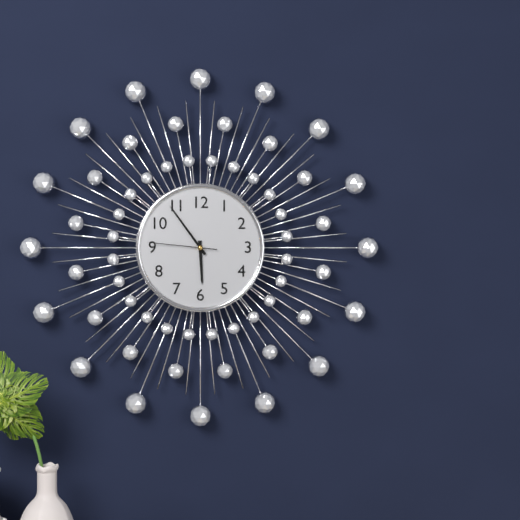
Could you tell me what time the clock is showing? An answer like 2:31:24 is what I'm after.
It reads 5:54:46
